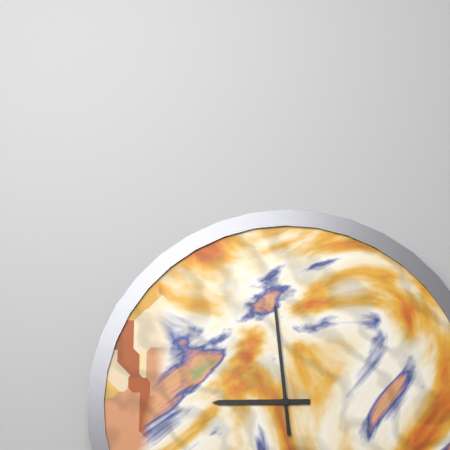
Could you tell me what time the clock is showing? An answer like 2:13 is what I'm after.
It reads 8:59
